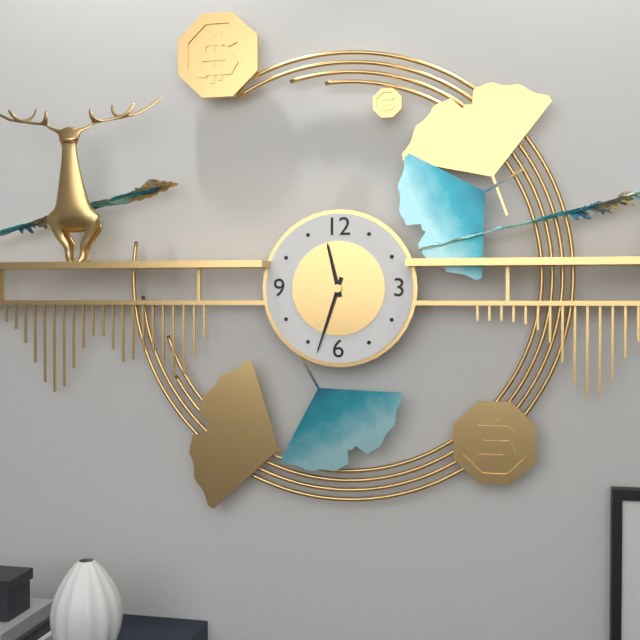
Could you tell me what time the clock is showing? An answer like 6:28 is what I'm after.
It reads 11:33
